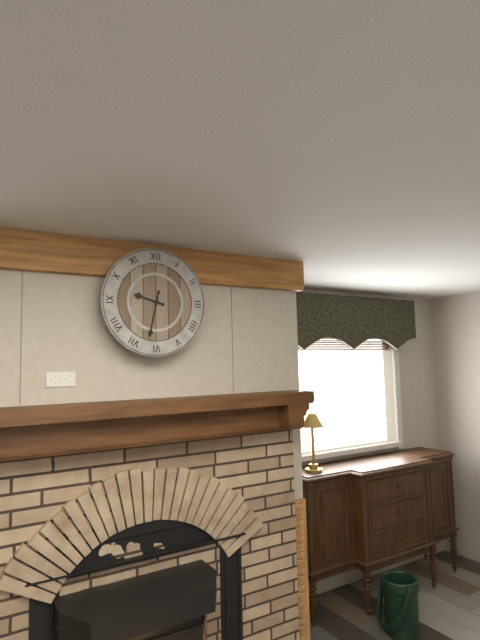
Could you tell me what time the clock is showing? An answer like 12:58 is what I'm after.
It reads 9:32
